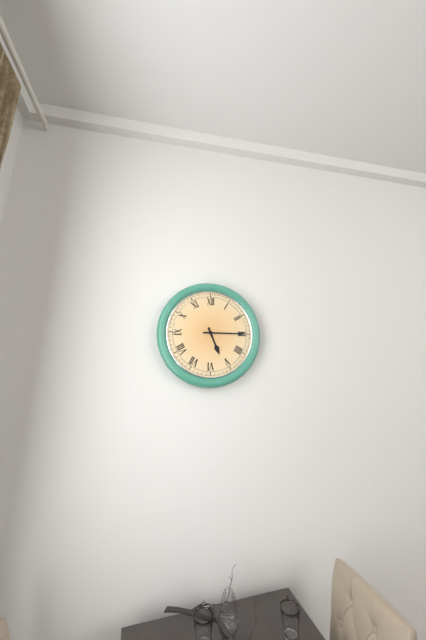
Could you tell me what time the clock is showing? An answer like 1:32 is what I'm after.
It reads 5:15
